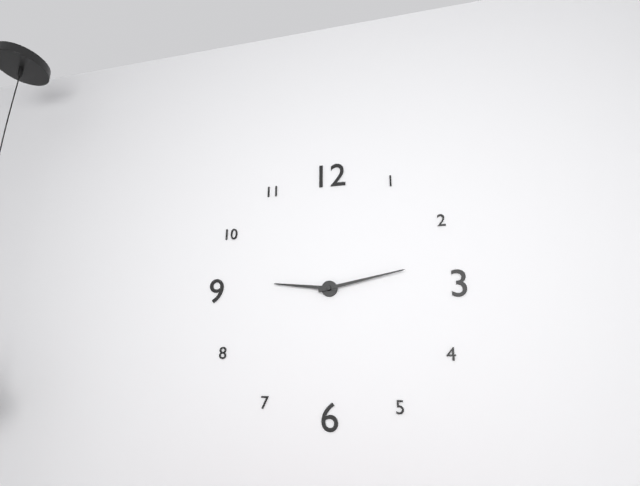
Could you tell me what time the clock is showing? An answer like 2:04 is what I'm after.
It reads 9:13
